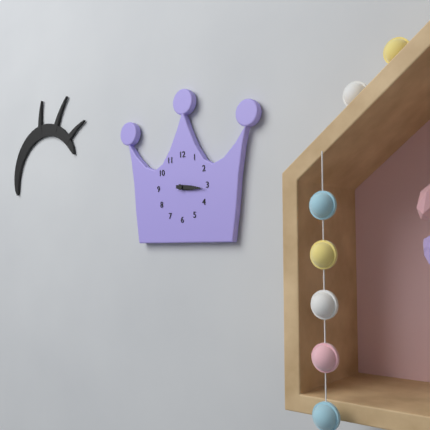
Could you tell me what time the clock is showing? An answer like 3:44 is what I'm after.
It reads 3:16
